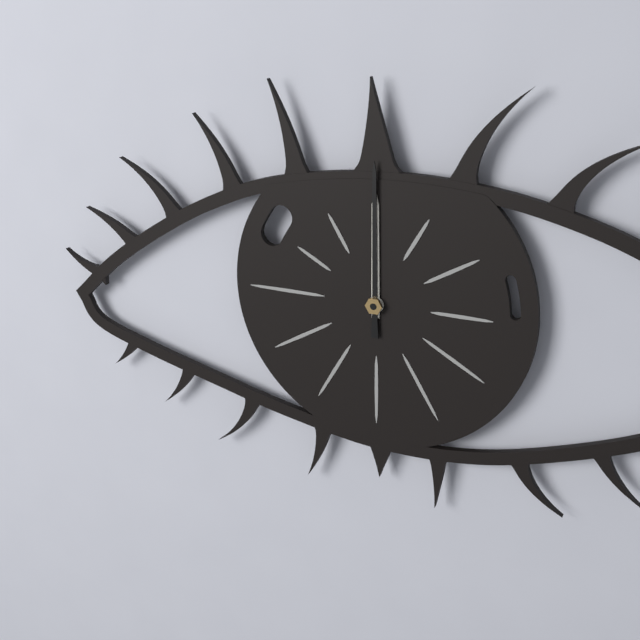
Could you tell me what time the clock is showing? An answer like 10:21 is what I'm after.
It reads 12:00
